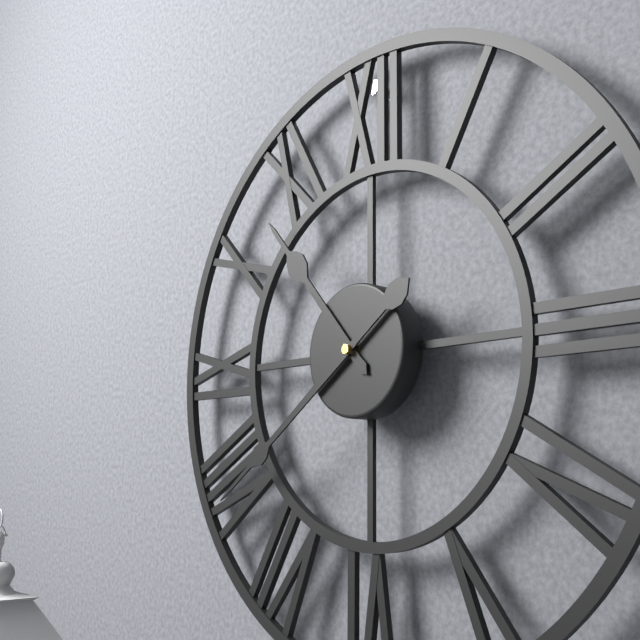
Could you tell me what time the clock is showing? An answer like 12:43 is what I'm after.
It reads 10:39
